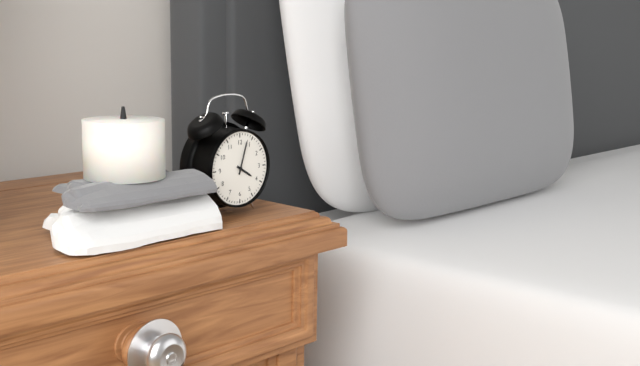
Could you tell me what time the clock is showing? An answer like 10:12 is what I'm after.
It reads 4:03
